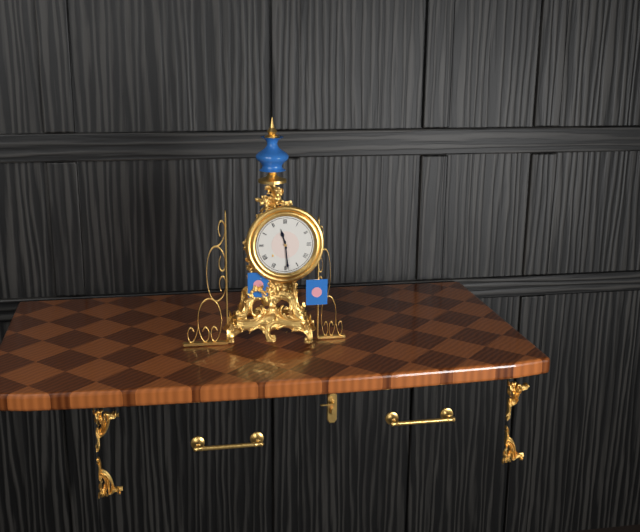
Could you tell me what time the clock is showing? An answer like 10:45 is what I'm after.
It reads 11:29
